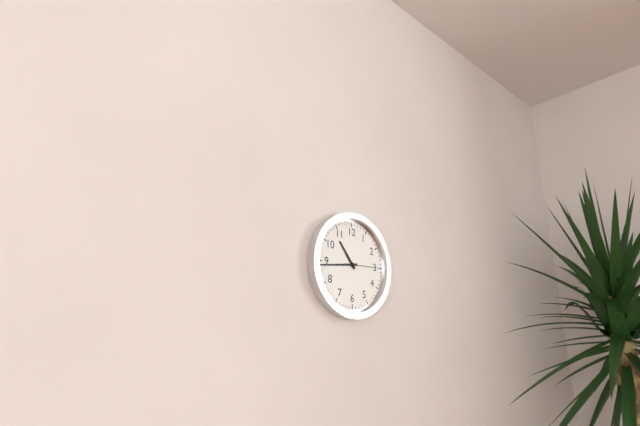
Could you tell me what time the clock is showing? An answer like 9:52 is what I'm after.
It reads 10:44
